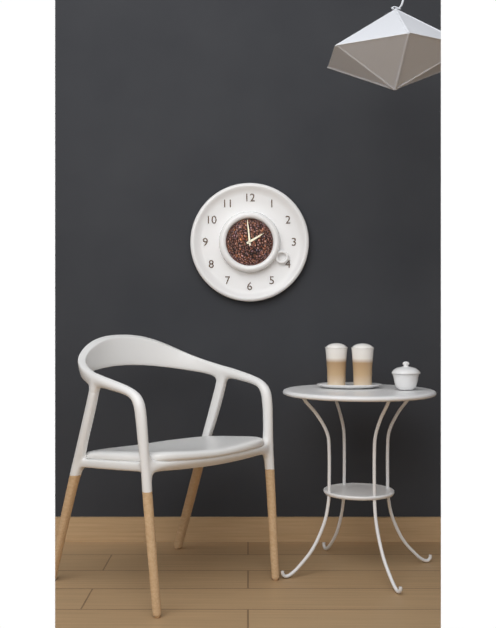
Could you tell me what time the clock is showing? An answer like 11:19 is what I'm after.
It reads 1:59
